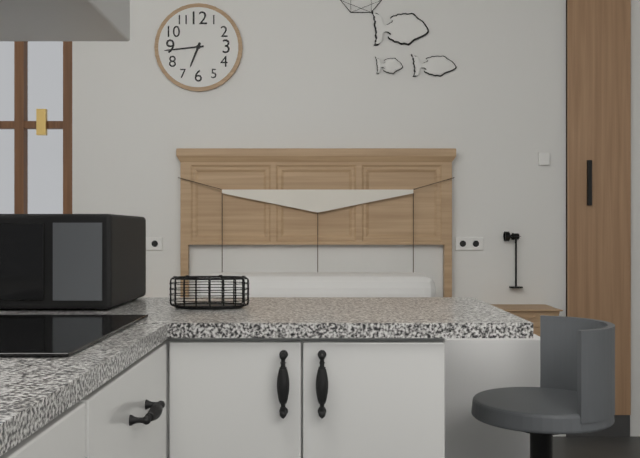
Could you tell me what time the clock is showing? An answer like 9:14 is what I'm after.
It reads 6:44
